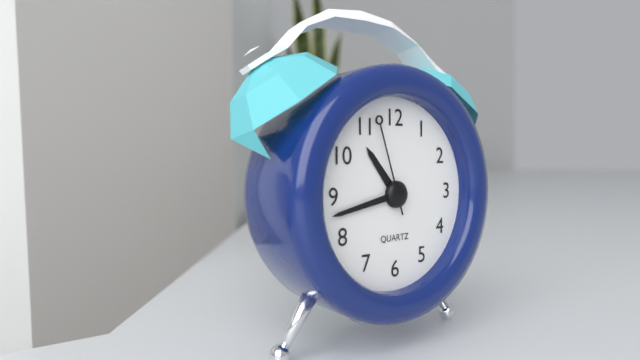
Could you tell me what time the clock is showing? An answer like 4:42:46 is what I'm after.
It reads 10:43:57
